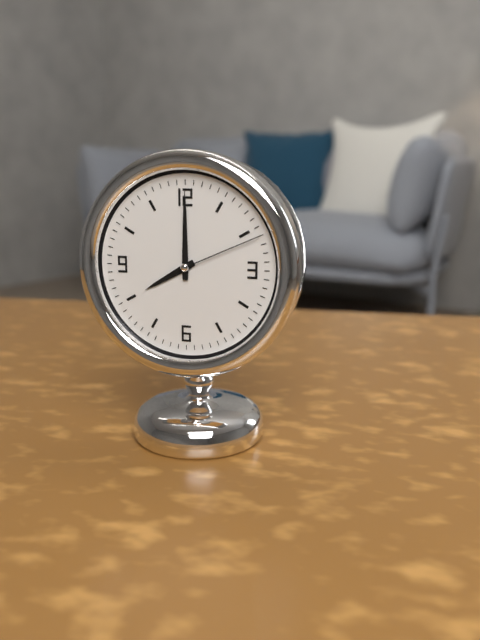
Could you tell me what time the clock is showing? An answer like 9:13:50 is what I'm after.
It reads 8:00:11
